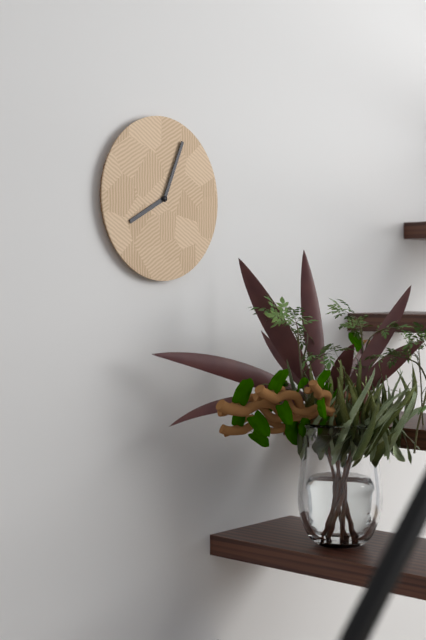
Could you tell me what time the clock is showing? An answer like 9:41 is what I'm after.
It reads 8:04
